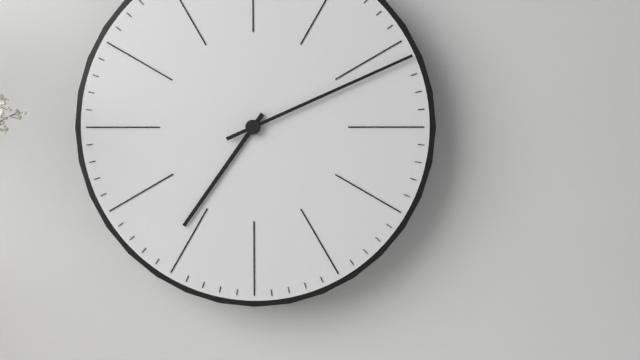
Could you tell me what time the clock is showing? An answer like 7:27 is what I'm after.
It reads 7:11
